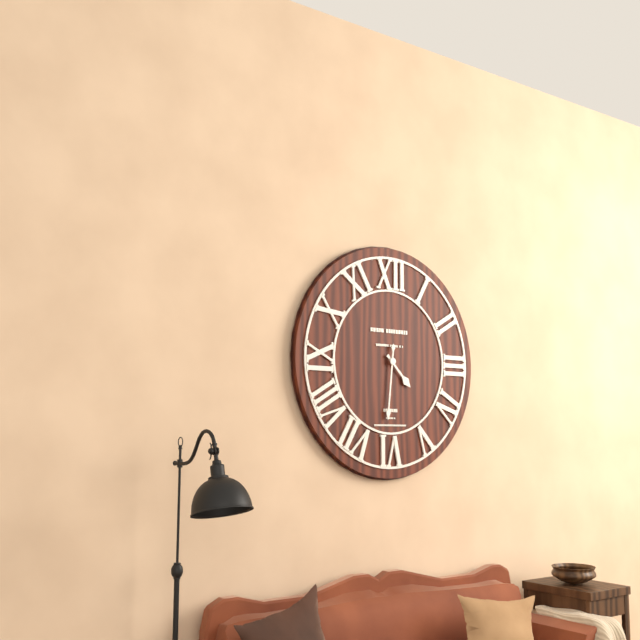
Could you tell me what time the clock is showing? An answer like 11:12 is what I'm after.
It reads 4:31
